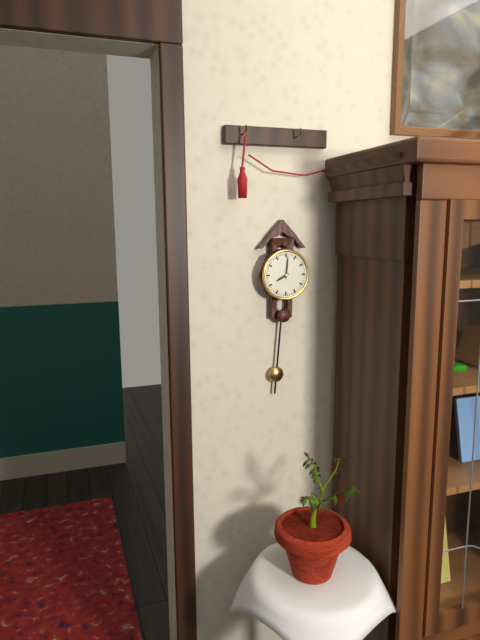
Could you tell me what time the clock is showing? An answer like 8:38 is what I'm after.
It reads 8:01
